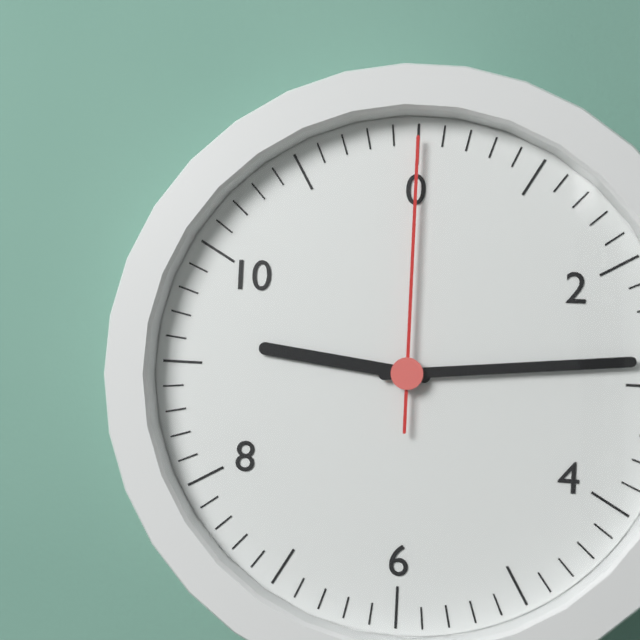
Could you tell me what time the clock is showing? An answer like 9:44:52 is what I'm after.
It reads 9:14:00
